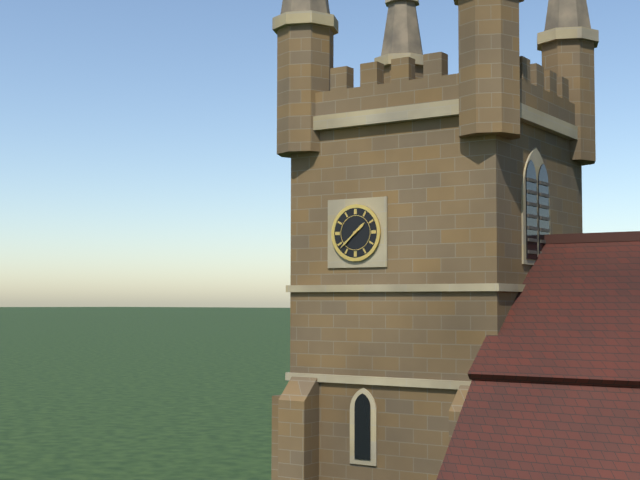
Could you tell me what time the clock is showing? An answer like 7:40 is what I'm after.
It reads 1:38
